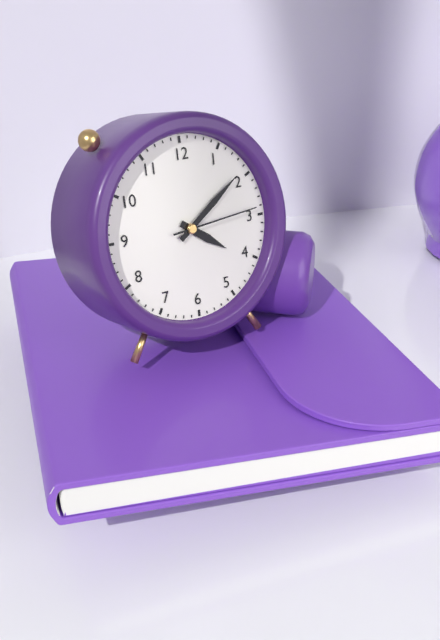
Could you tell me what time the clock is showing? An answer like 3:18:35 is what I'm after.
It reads 4:09:14
